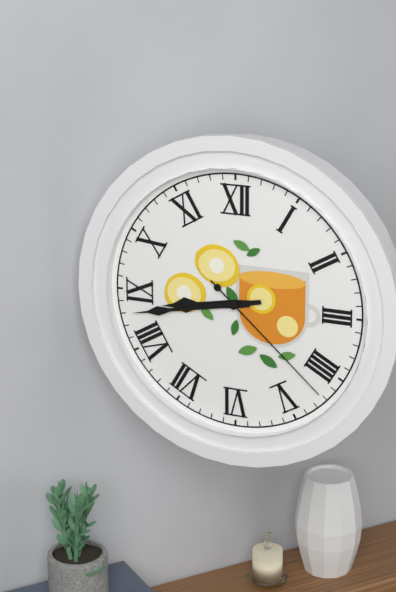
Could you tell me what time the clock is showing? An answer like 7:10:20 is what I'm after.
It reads 8:43:22
